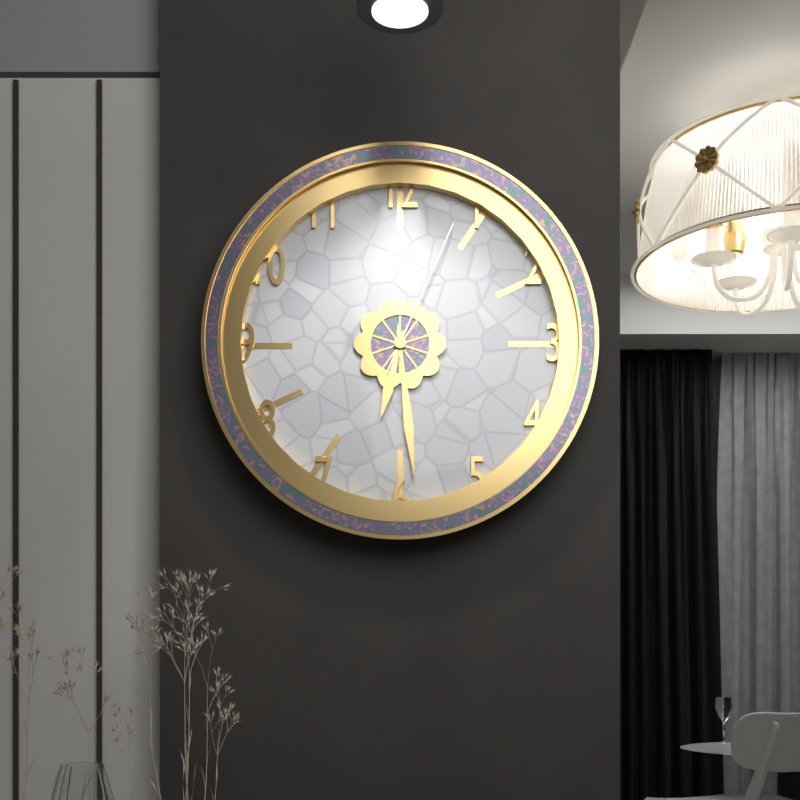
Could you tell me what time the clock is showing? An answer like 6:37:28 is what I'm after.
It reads 6:29:04
